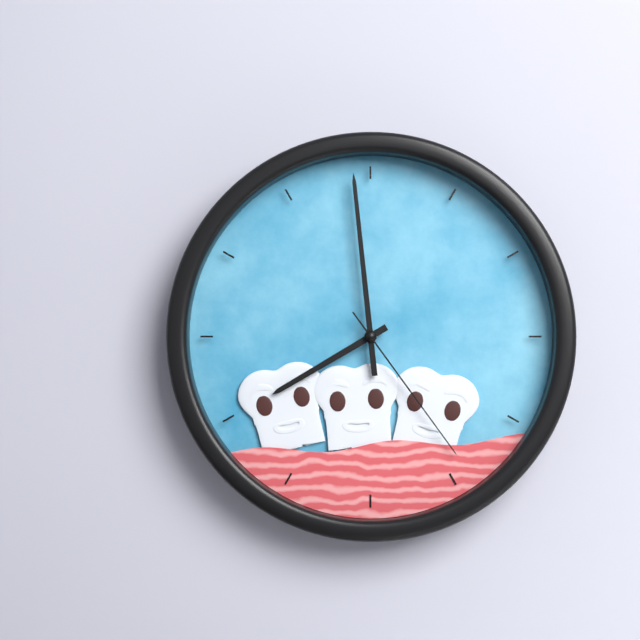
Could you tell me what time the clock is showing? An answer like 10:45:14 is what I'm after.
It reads 7:59:24
